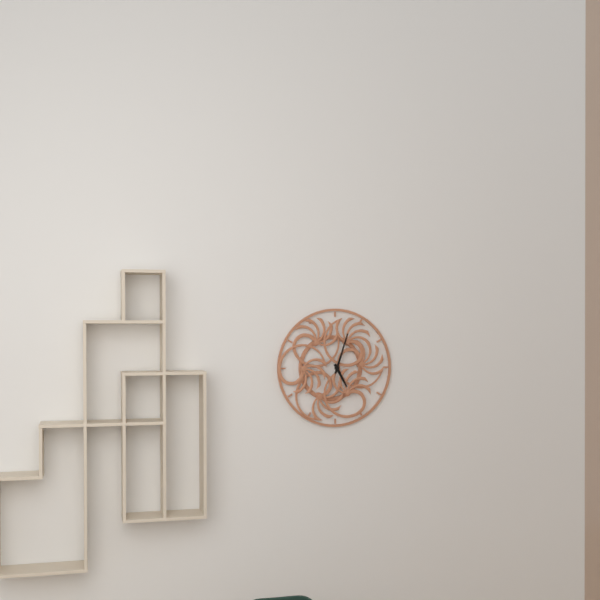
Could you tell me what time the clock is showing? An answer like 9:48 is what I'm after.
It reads 5:03
